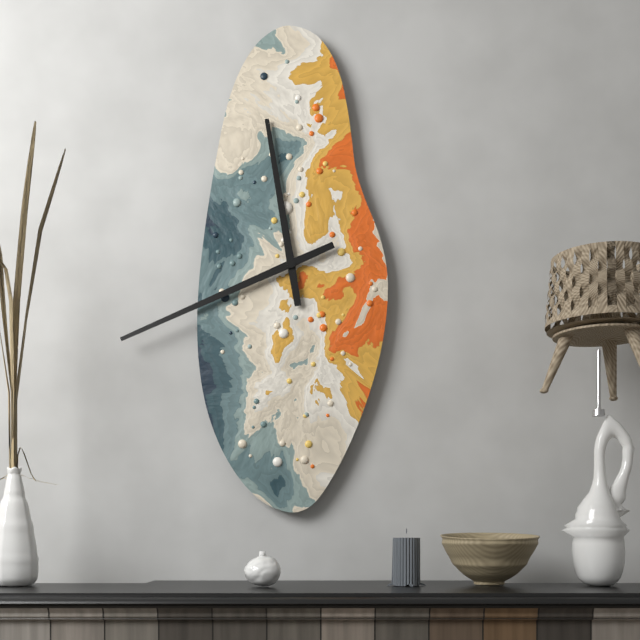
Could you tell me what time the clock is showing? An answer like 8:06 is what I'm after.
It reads 11:41
